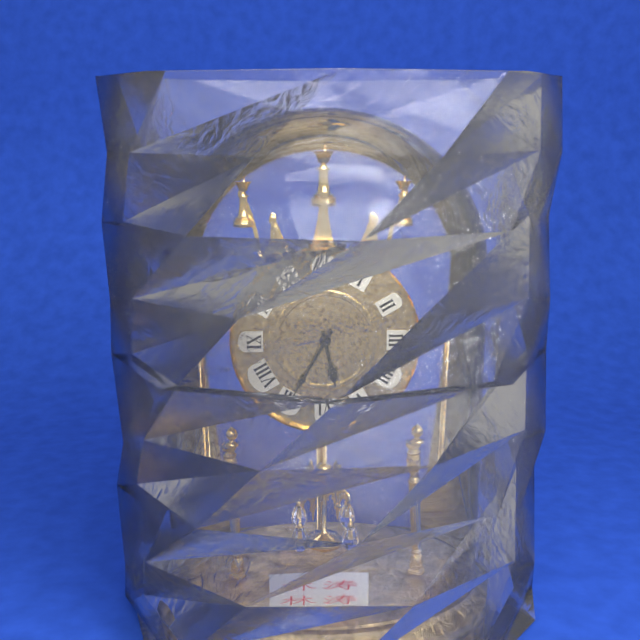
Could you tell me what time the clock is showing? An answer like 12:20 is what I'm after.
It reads 5:35
